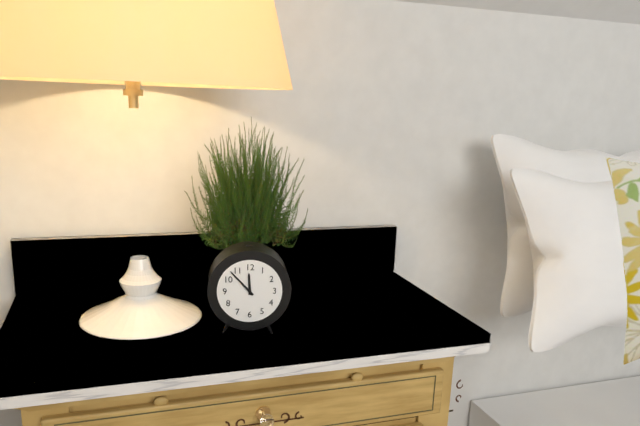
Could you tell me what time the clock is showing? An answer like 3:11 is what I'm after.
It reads 11:53
